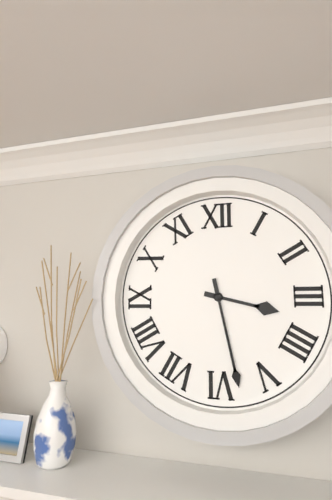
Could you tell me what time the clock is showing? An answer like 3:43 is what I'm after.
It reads 3:28
